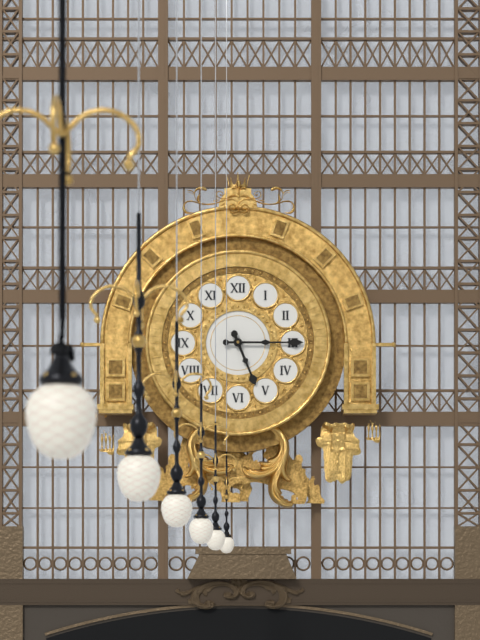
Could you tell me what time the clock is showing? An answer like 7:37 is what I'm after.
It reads 5:15
